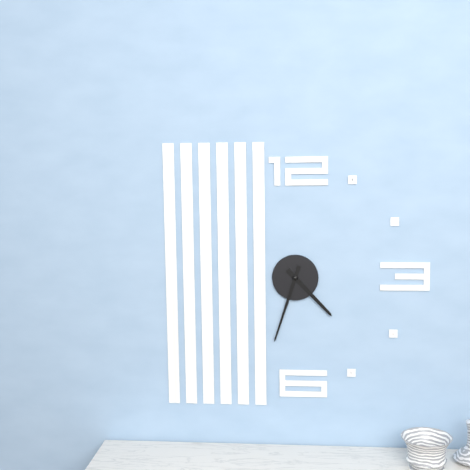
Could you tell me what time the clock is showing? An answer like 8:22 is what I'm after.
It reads 4:33
